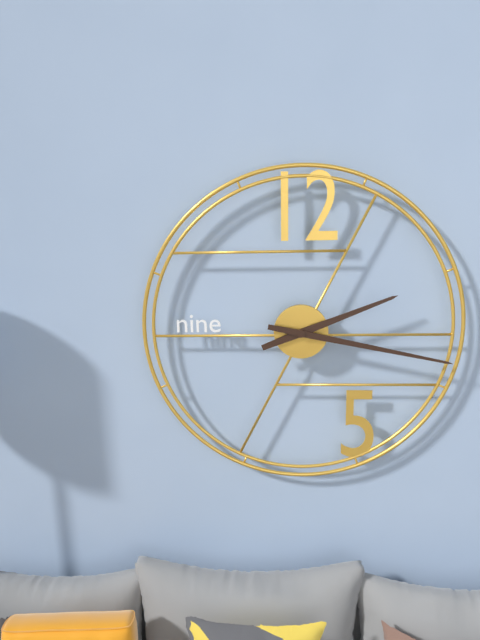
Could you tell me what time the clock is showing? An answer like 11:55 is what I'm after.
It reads 2:17
